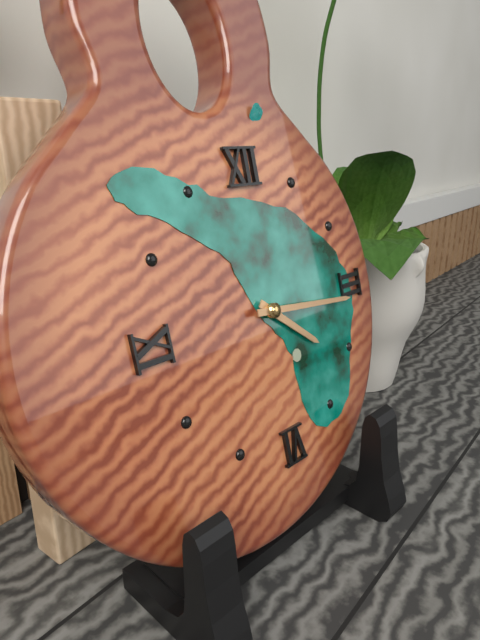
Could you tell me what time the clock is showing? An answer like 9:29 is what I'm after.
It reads 4:16
